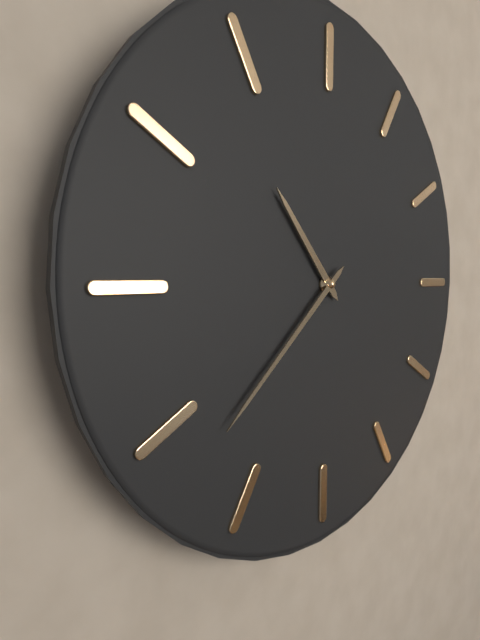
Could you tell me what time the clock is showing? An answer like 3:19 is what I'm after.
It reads 10:38
